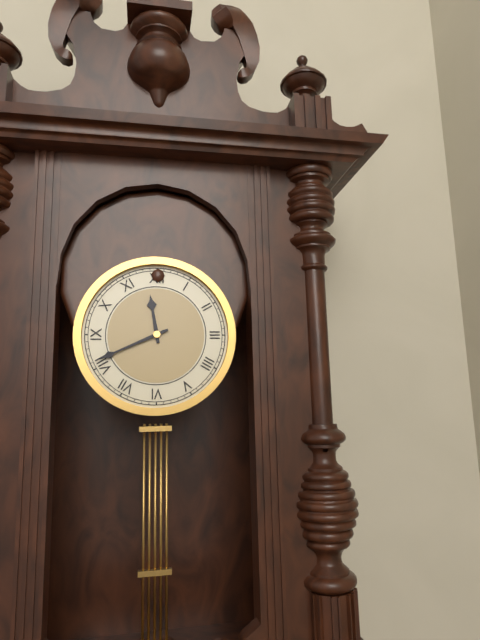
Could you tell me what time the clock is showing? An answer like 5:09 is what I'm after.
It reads 11:41
